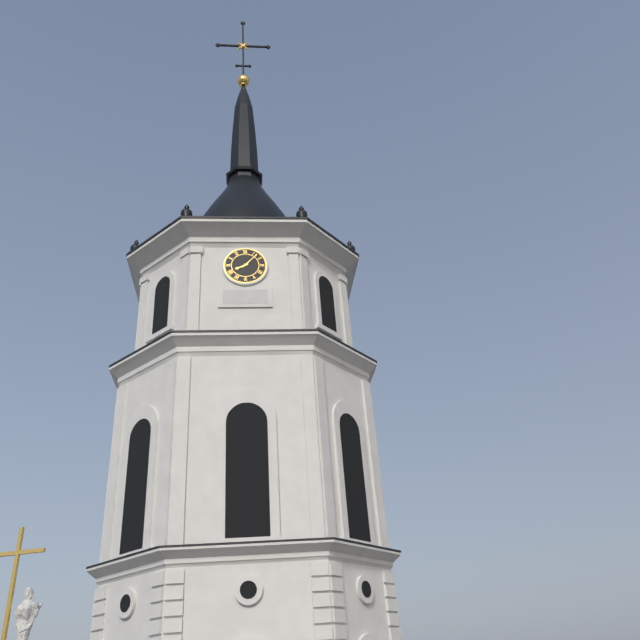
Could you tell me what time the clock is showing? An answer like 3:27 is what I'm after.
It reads 8:07
